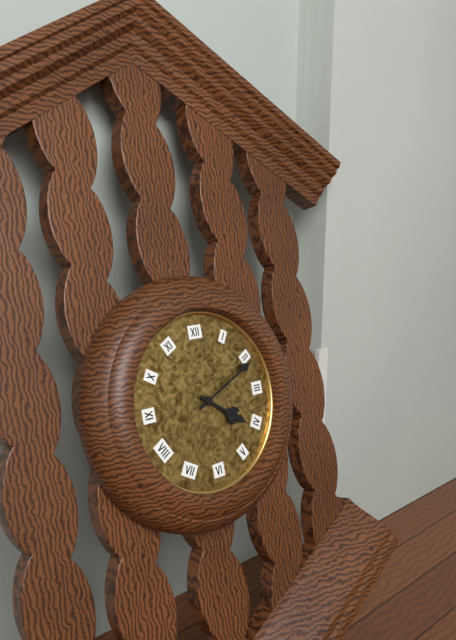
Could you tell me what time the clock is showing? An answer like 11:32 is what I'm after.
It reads 4:11
